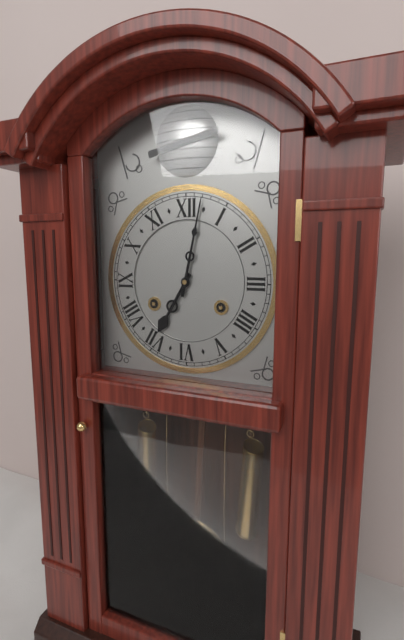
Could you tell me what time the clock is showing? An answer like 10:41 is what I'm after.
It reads 7:02
